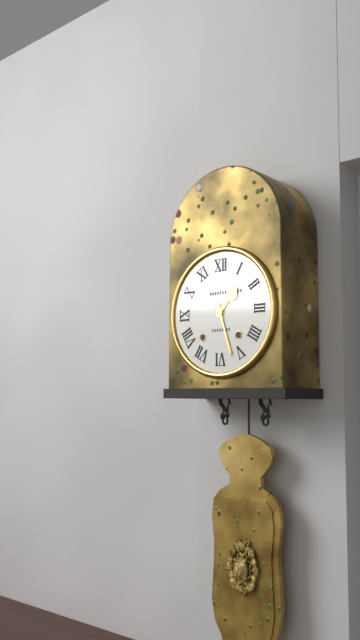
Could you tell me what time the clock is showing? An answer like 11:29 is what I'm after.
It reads 1:27
